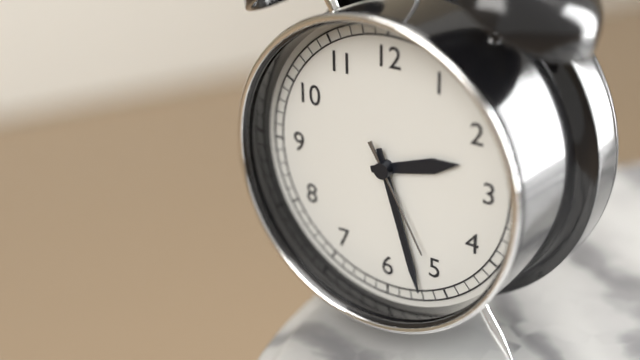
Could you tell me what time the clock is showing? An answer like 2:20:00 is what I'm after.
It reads 2:27:25
